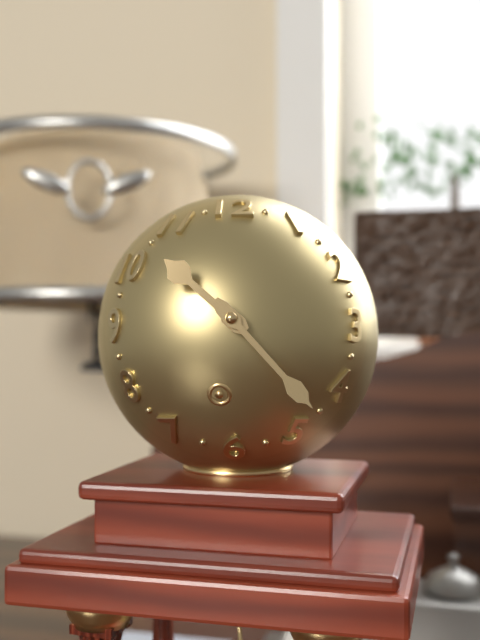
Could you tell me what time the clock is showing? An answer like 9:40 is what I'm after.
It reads 10:23
